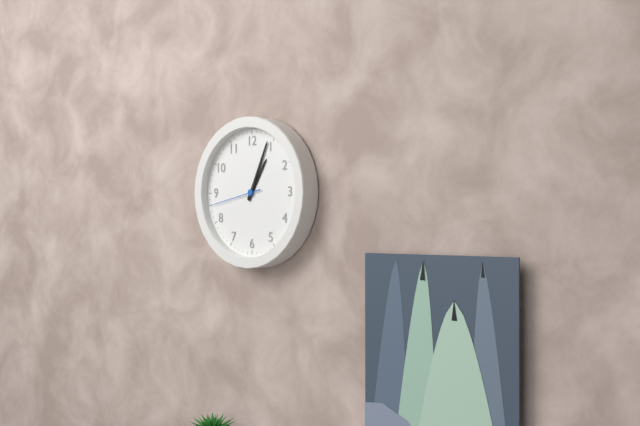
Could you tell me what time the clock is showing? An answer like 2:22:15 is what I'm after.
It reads 1:04:43
